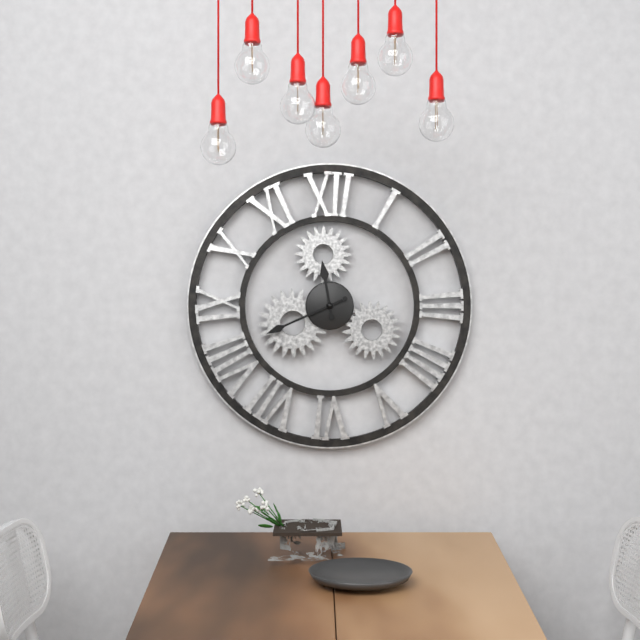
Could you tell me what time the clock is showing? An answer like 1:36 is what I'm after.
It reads 11:41
